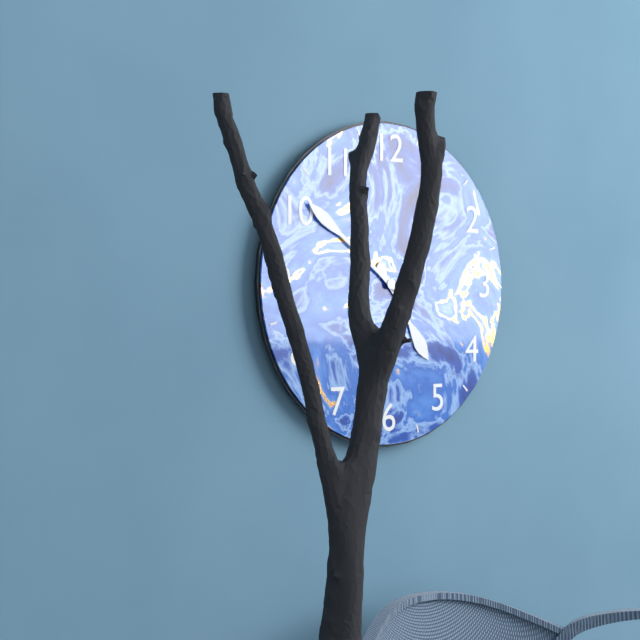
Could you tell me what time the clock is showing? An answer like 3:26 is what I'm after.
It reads 4:51
